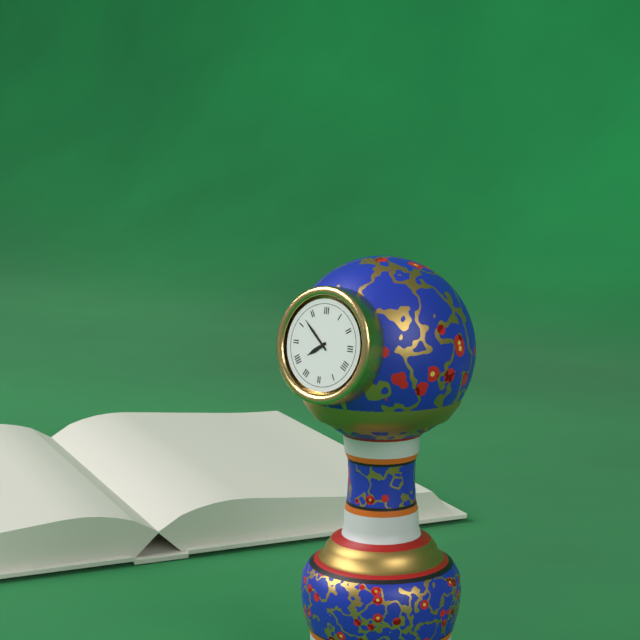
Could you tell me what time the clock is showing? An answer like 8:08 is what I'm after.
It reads 7:52
